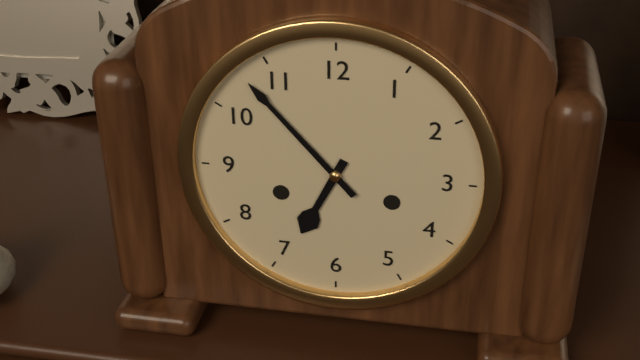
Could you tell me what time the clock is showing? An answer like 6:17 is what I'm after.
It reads 6:53
